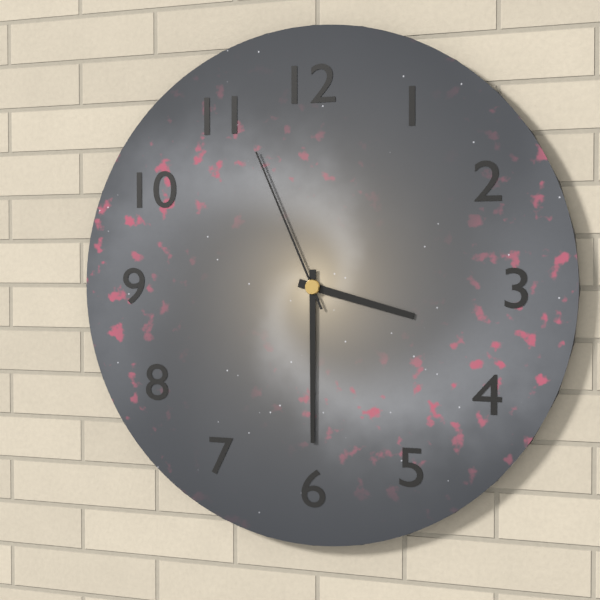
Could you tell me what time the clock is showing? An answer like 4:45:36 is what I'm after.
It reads 3:30:56
